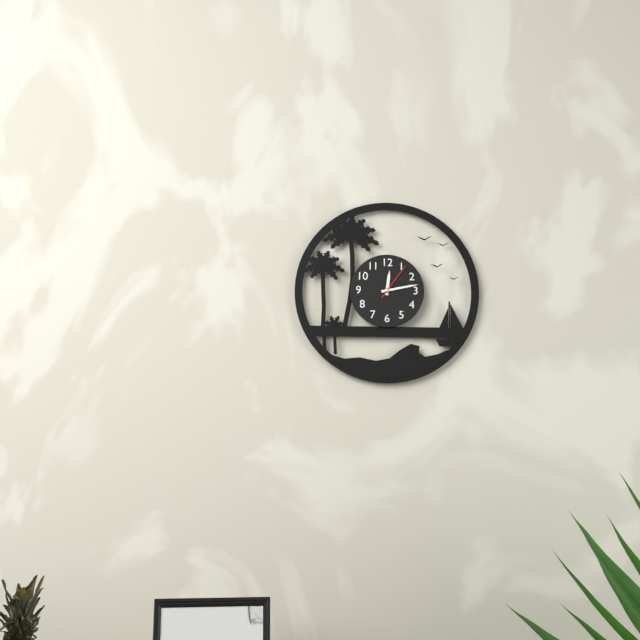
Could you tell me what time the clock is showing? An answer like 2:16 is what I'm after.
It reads 12:13
